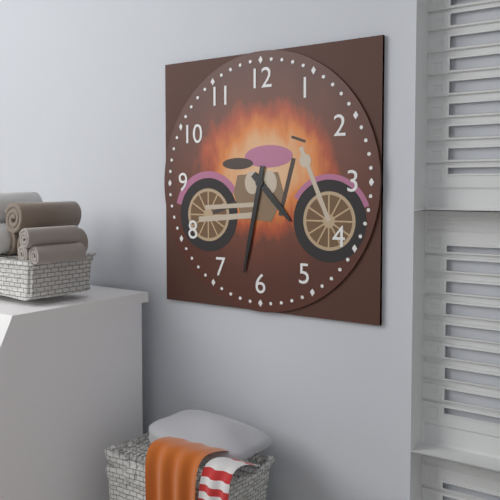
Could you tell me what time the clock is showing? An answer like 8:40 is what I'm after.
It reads 4:32
